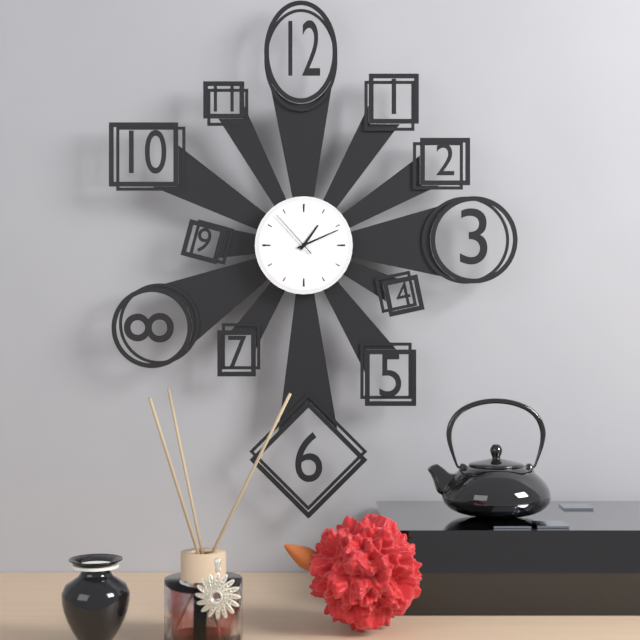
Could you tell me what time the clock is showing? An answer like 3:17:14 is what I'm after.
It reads 1:11:53
